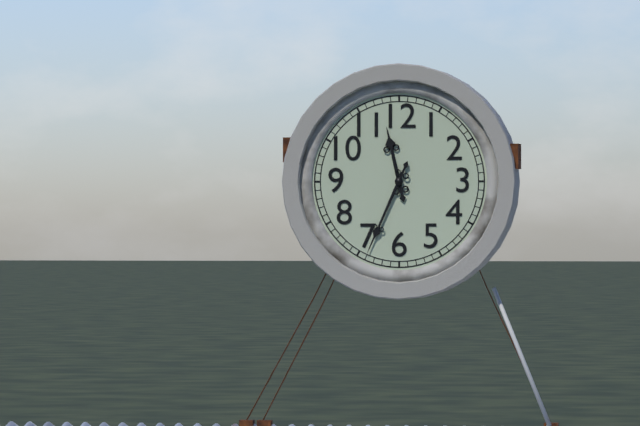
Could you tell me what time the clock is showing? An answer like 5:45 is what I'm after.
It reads 11:34
